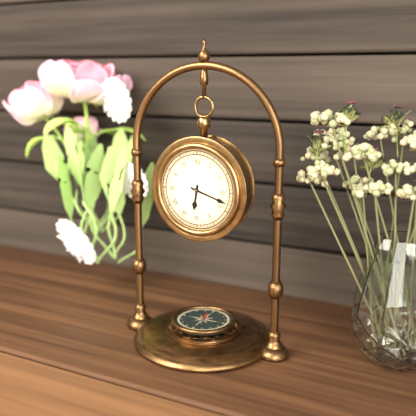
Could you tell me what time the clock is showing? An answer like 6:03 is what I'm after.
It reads 6:18
